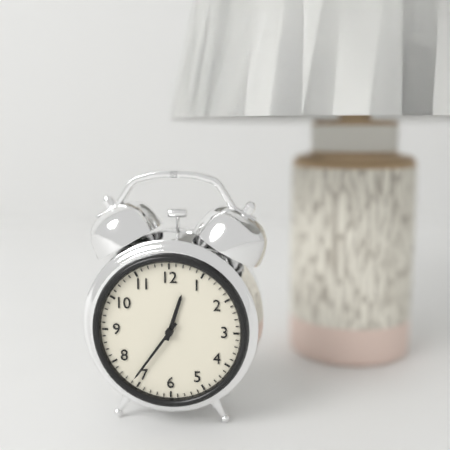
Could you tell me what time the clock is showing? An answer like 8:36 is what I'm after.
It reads 12:36
